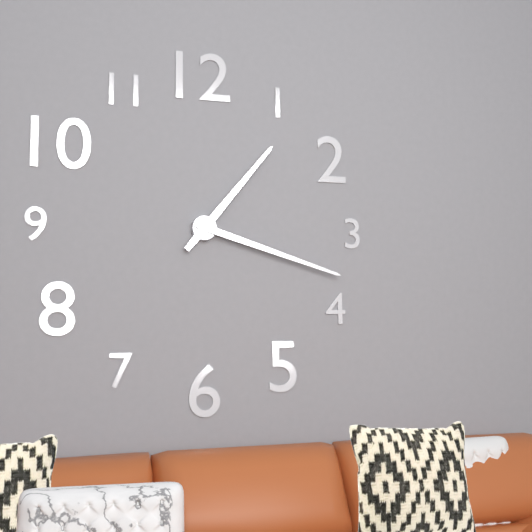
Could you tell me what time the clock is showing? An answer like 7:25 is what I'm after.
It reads 1:18
